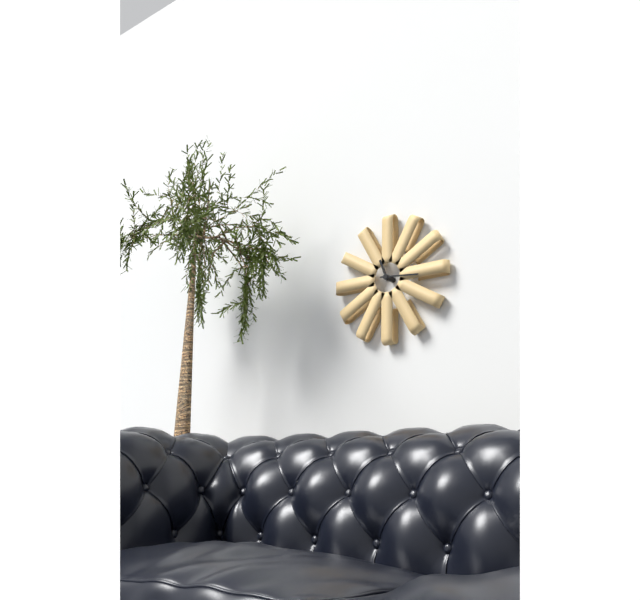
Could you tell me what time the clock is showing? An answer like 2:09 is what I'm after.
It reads 11:16
